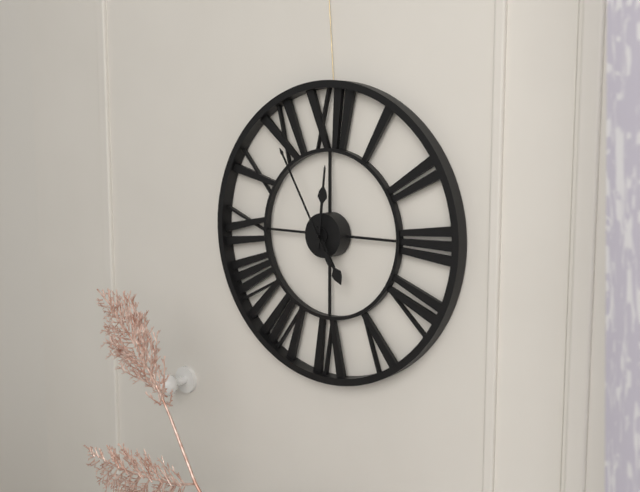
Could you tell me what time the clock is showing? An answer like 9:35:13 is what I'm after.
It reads 5:01:55
